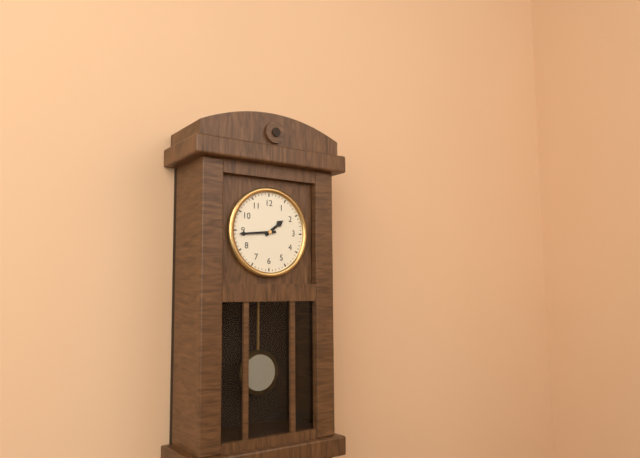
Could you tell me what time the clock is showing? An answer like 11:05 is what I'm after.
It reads 1:44
